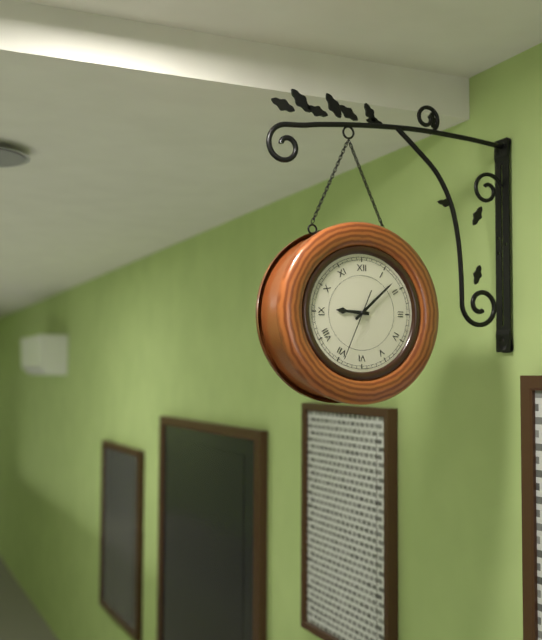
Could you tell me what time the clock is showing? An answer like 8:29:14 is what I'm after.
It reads 9:08:34
